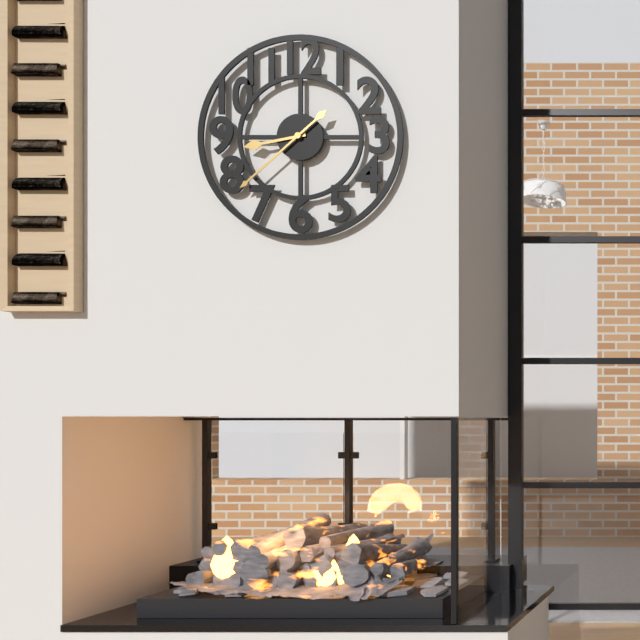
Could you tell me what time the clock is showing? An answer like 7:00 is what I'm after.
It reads 8:38
